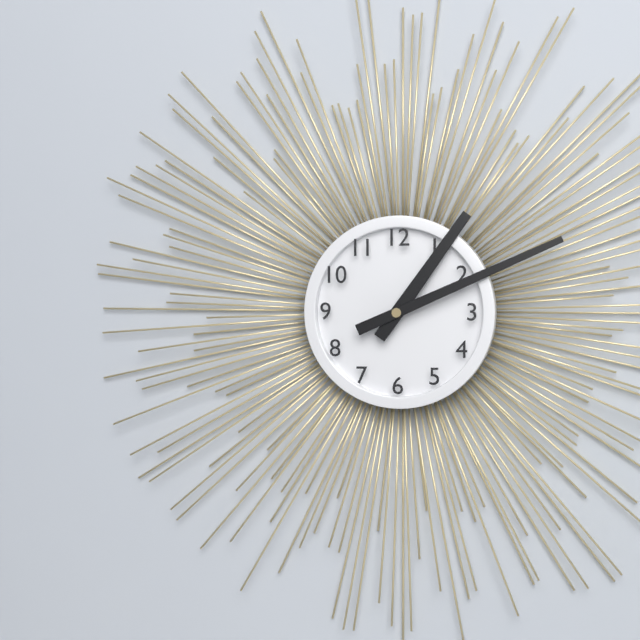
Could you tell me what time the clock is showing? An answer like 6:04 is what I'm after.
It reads 1:11
